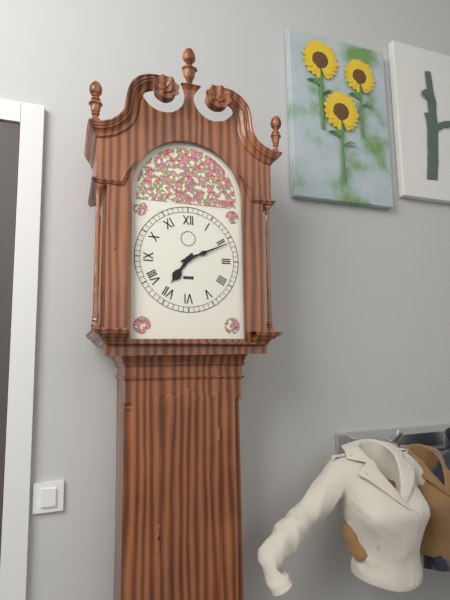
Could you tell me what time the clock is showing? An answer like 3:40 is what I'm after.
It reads 7:11
